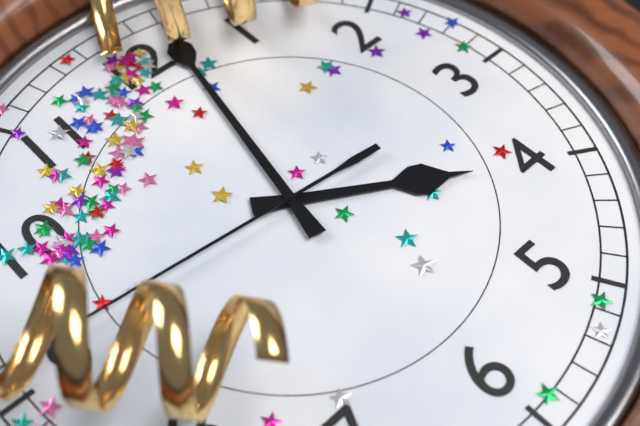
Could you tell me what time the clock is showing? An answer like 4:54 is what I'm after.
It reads 4:02
